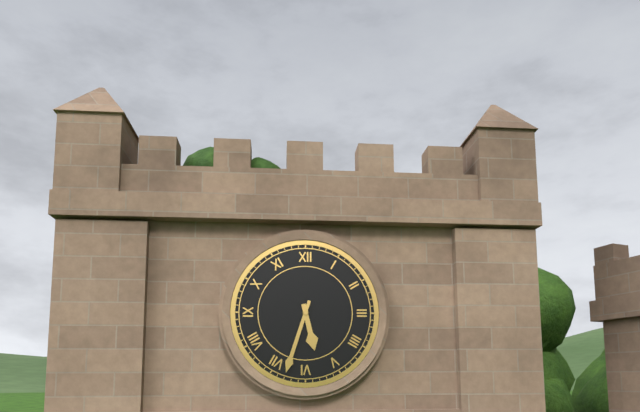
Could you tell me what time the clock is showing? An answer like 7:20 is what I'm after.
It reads 5:33
